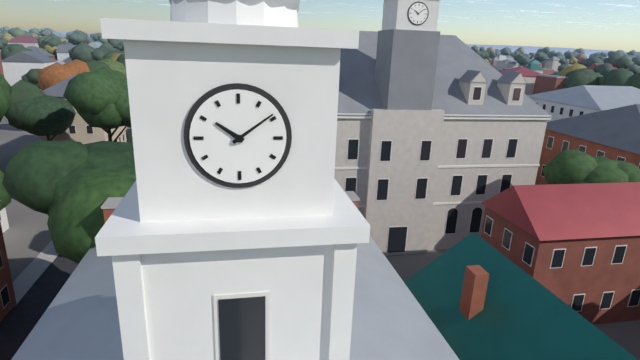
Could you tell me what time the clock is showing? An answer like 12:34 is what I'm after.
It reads 10:09
